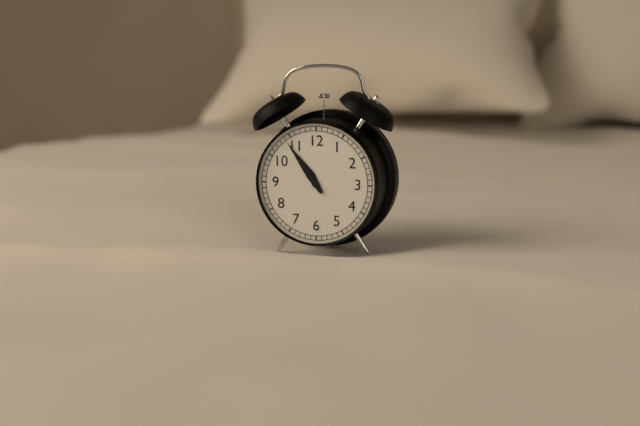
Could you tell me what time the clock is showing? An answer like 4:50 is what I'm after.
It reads 10:54
